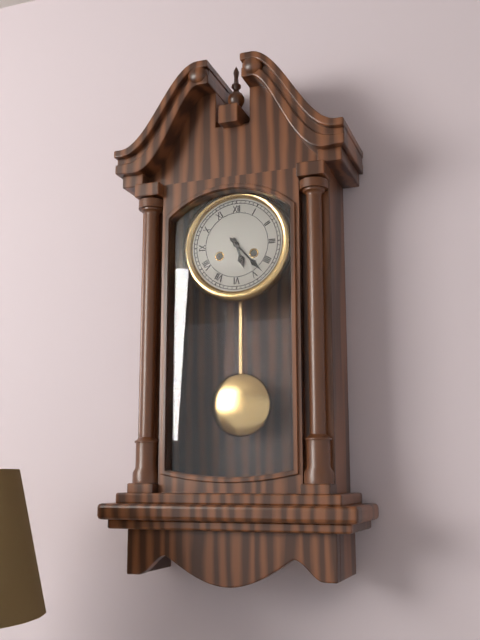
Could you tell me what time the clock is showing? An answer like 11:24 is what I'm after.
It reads 5:23
